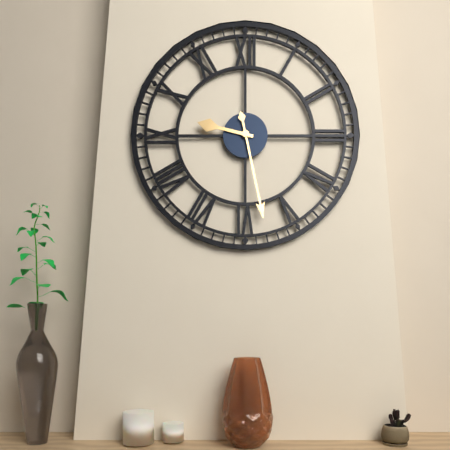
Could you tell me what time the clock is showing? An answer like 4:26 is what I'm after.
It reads 9:28
